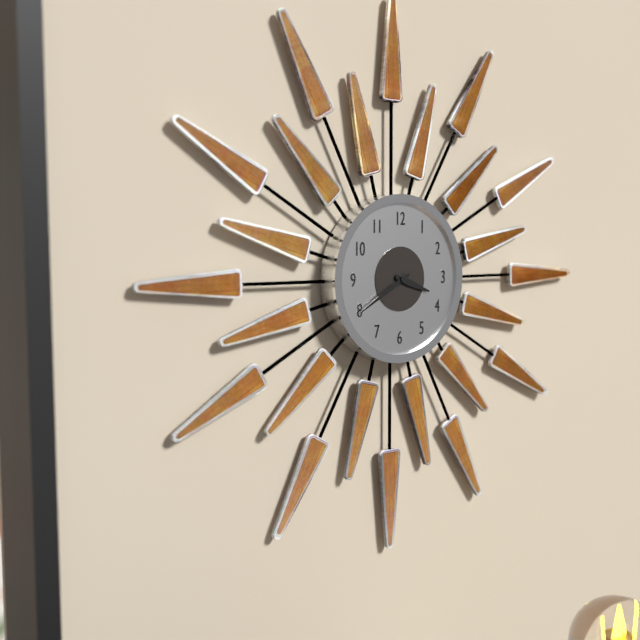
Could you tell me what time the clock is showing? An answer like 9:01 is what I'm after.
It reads 3:40
